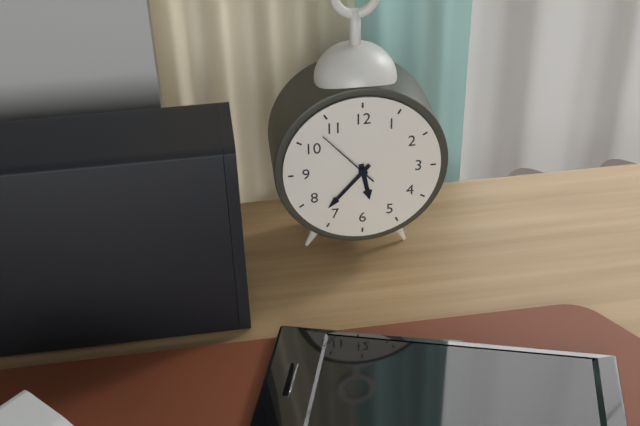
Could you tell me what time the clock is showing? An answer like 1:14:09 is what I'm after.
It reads 5:37:53
